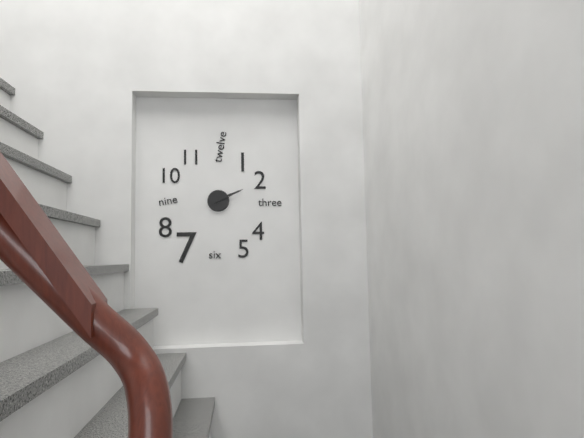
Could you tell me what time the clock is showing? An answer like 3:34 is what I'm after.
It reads 2:11
